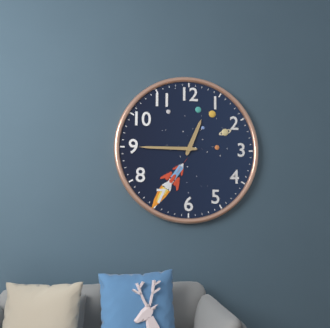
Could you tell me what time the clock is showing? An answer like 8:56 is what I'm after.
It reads 12:45
